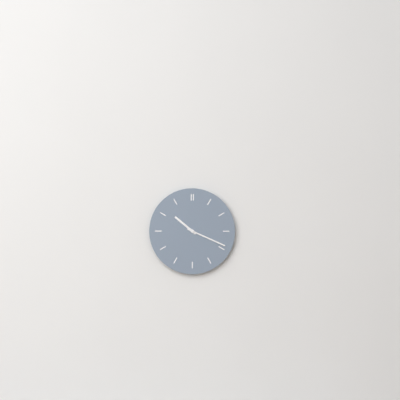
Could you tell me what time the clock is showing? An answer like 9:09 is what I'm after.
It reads 10:19
